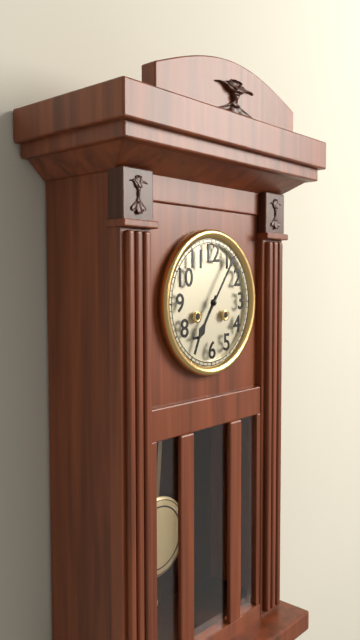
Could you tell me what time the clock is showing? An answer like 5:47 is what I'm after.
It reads 7:06
